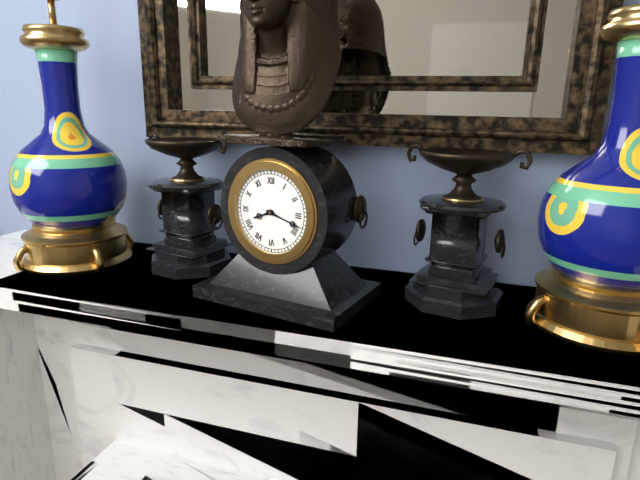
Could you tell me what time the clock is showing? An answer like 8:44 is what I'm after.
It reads 8:18
